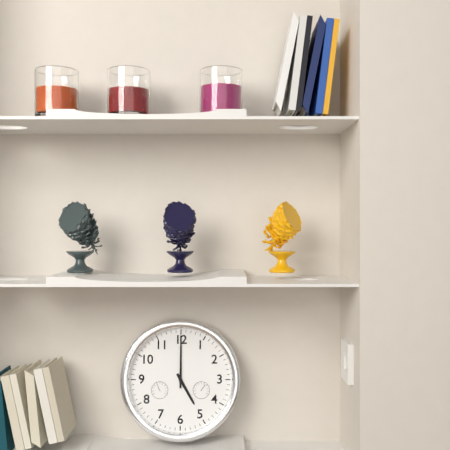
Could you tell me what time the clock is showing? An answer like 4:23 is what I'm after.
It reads 5:00
